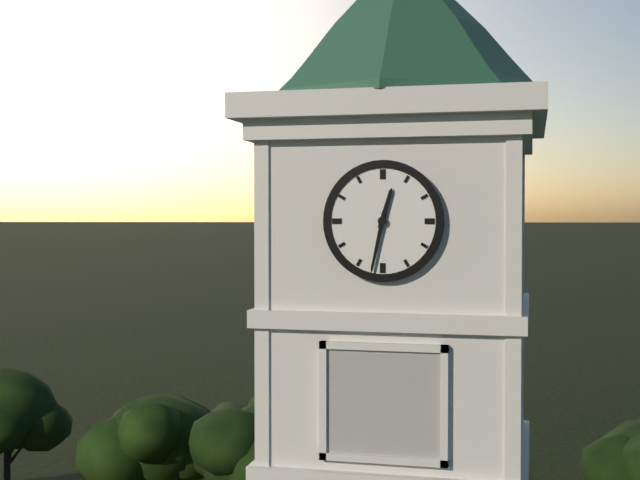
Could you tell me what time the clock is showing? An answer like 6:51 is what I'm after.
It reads 12:32
